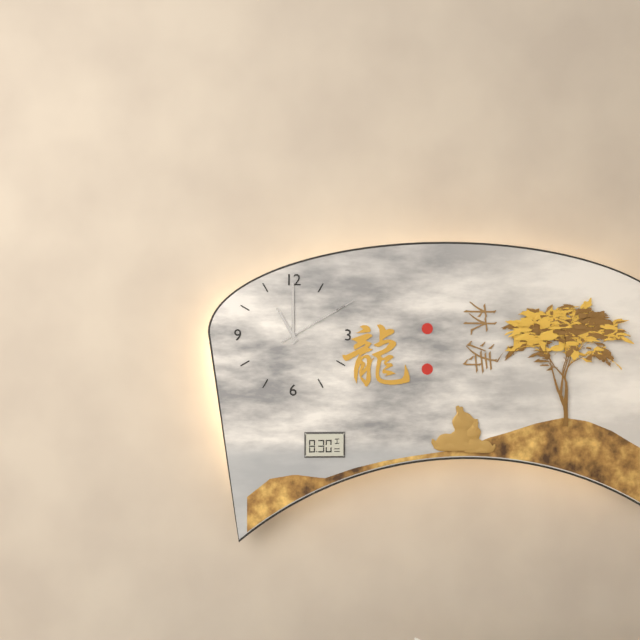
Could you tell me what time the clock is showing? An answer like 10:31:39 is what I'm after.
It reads 11:00:10
